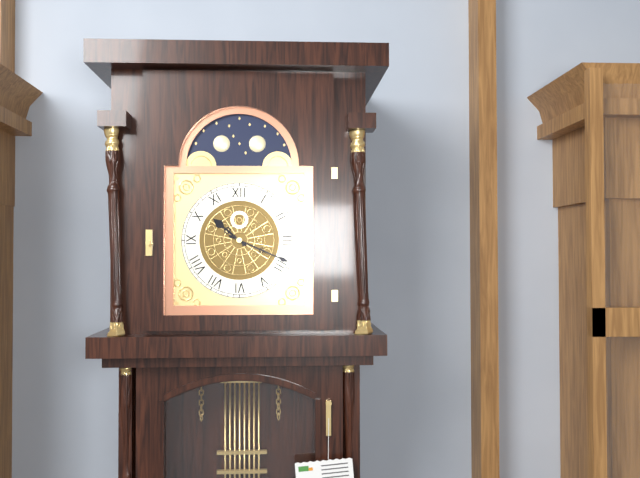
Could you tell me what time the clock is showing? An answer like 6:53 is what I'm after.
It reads 10:19
